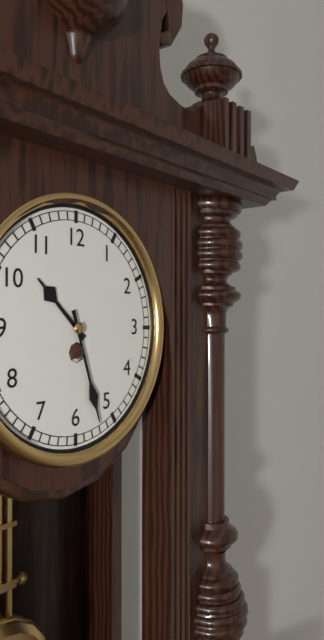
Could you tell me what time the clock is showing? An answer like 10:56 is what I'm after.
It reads 10:27
